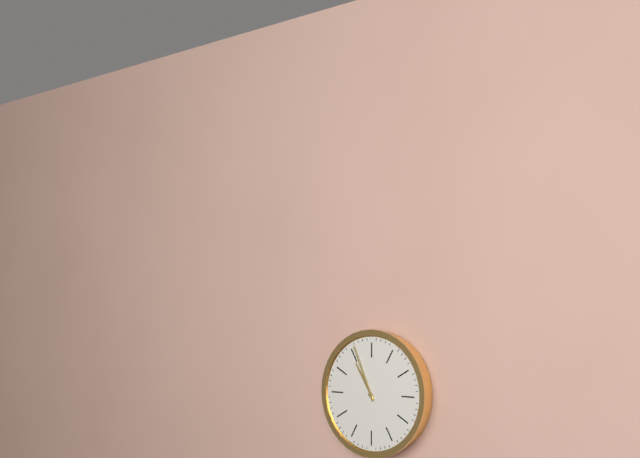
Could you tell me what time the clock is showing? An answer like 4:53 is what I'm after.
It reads 10:56
